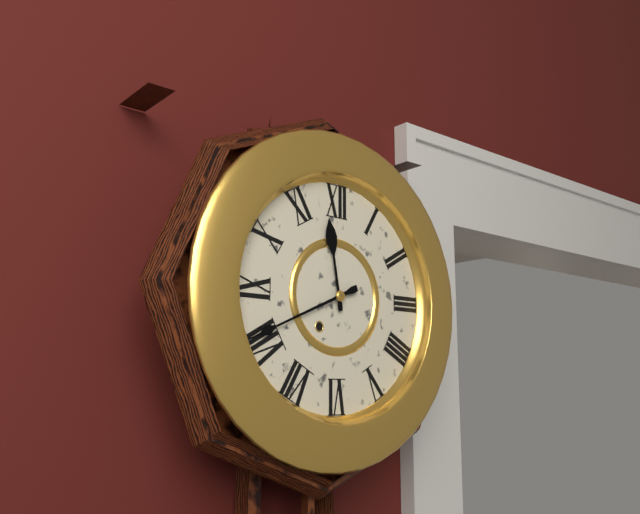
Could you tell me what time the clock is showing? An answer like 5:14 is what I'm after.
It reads 11:41
